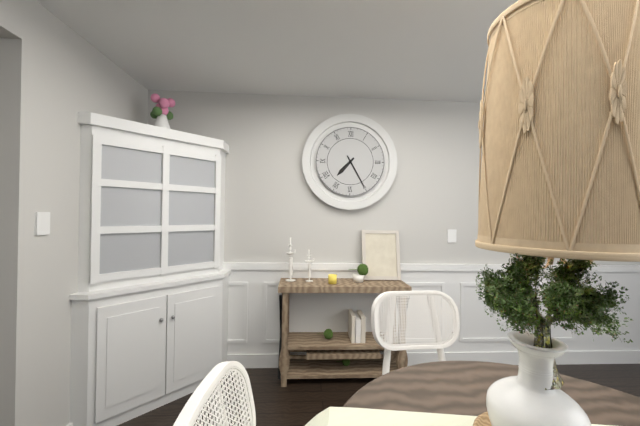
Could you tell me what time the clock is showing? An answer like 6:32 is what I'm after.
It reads 7:25
